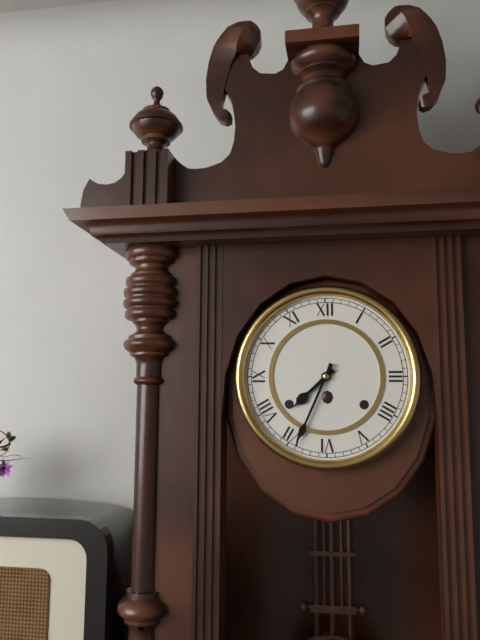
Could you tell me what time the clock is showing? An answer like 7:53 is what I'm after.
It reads 7:34
